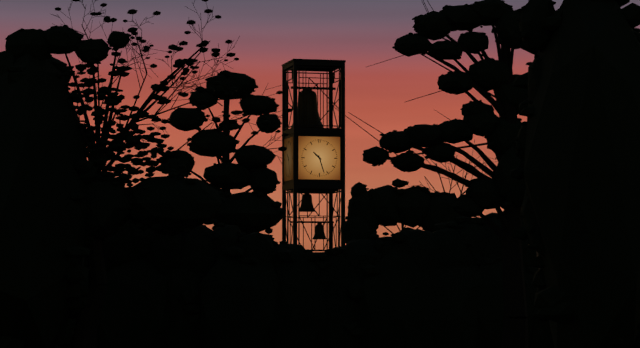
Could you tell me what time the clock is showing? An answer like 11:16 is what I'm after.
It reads 10:27
